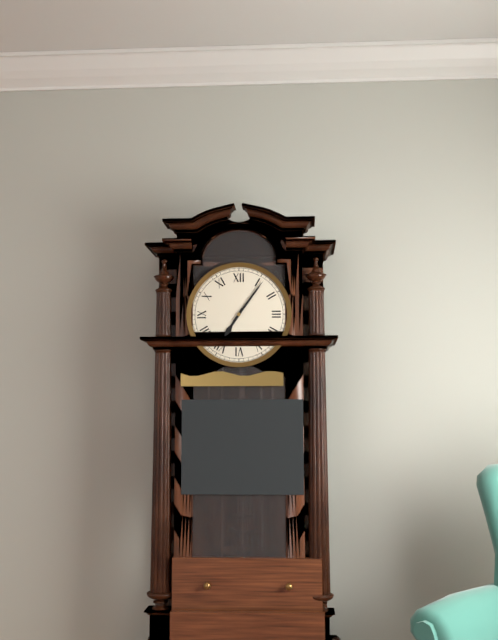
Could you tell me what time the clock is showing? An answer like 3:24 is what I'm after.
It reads 7:06
